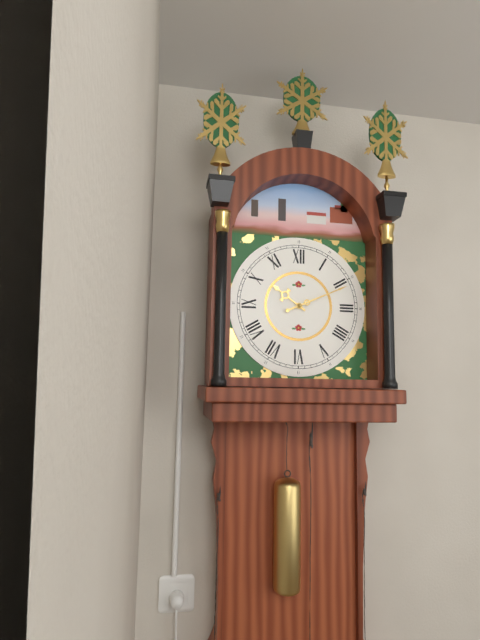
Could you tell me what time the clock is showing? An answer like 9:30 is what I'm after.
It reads 10:11
